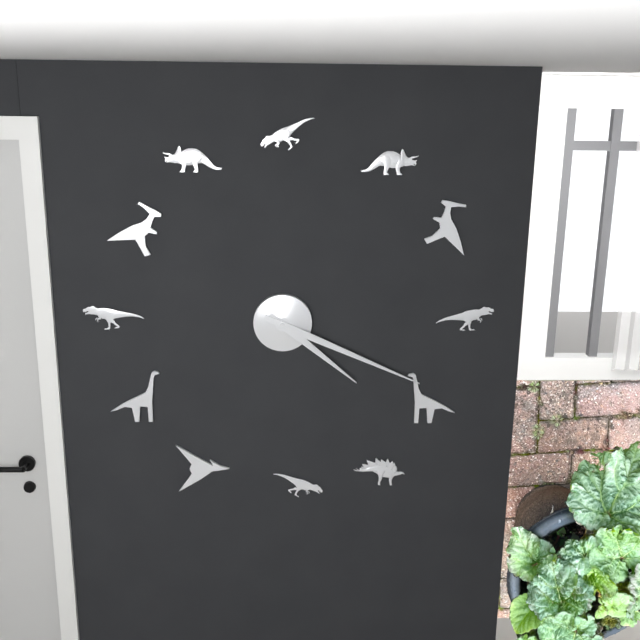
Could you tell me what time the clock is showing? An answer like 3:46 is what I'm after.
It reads 4:19
